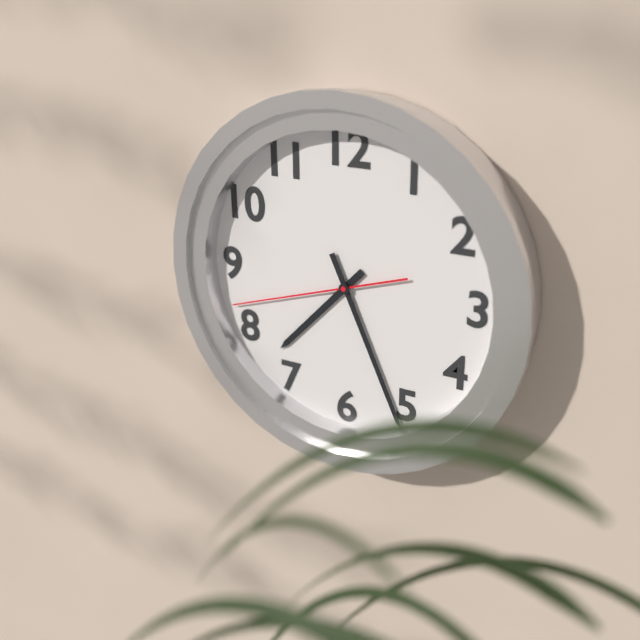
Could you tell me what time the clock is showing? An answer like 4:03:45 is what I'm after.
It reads 7:26:42
